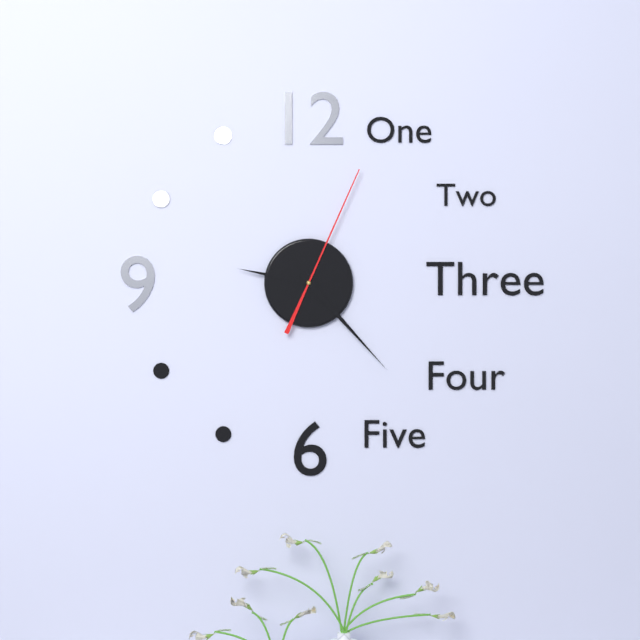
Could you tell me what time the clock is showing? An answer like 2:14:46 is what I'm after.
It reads 9:23:04
